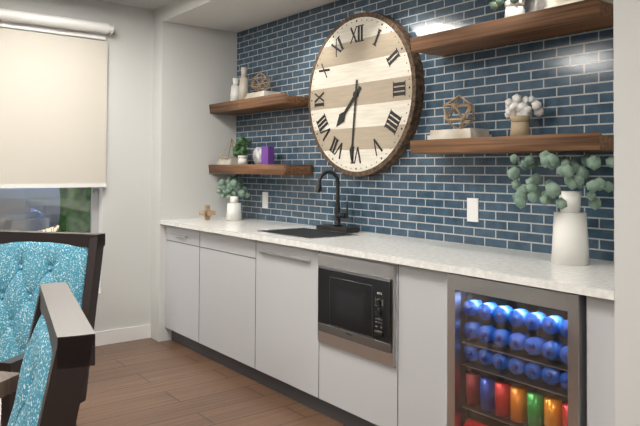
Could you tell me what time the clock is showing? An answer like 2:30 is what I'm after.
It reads 7:31
